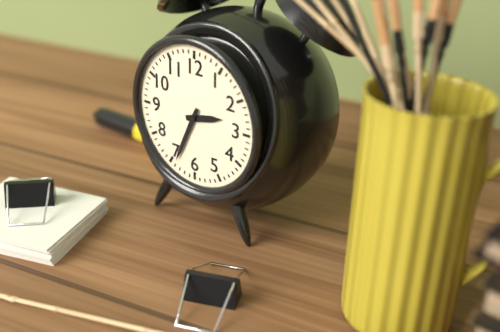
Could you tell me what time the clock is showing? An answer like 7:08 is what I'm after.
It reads 2:34
